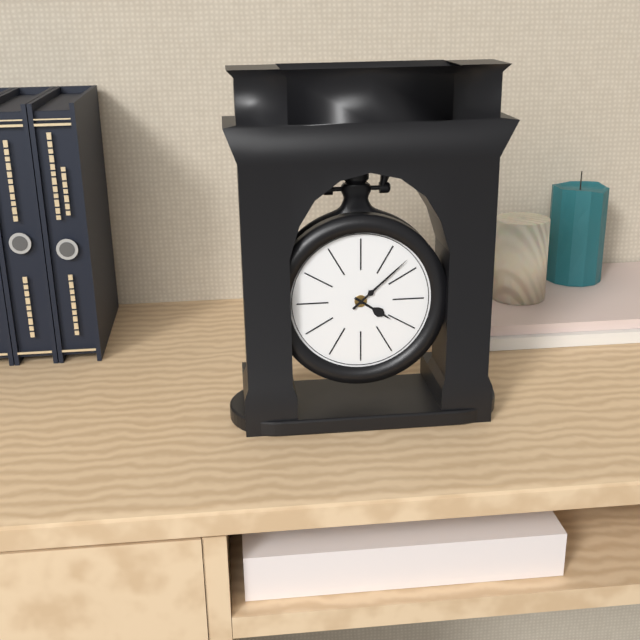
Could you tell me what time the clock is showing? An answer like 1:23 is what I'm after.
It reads 4:08
